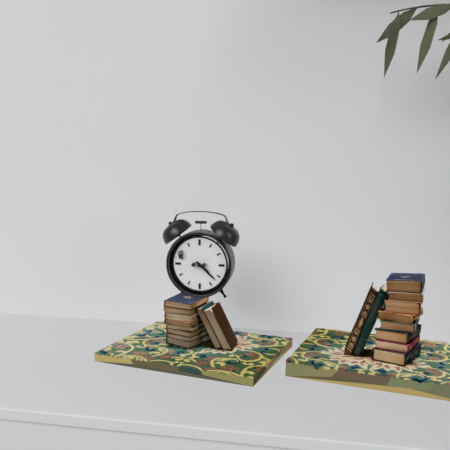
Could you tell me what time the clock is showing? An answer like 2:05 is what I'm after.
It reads 4:22
